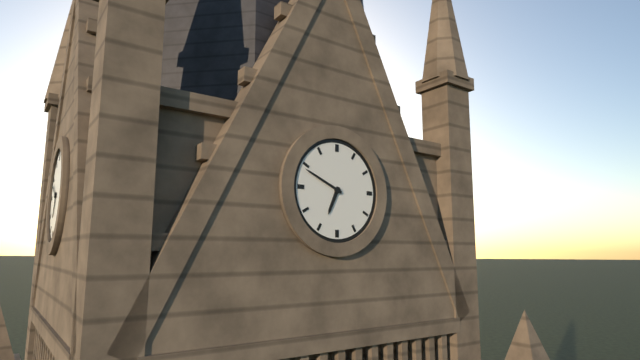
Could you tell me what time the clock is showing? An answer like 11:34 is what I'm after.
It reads 6:49
